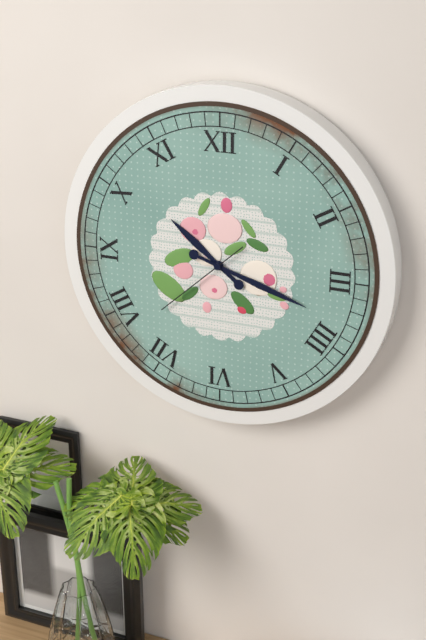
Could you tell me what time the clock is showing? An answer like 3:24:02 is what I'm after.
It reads 10:18:38
